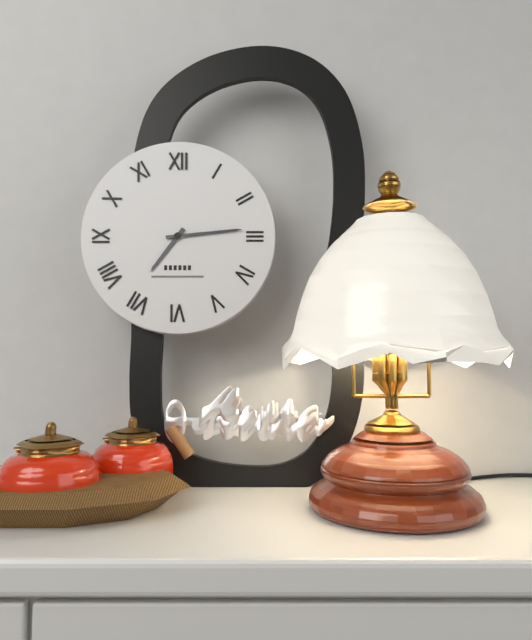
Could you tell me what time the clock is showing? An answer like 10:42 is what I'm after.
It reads 7:14
